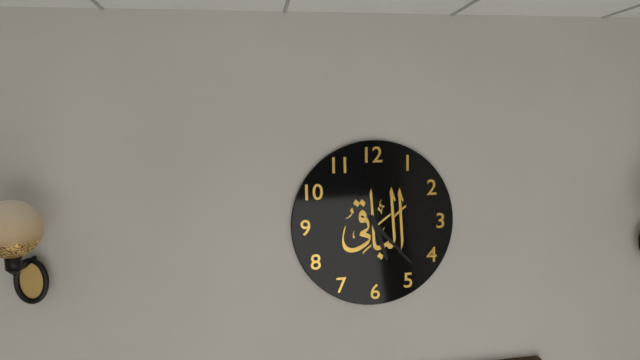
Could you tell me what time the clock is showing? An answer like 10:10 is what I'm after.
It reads 5:23
